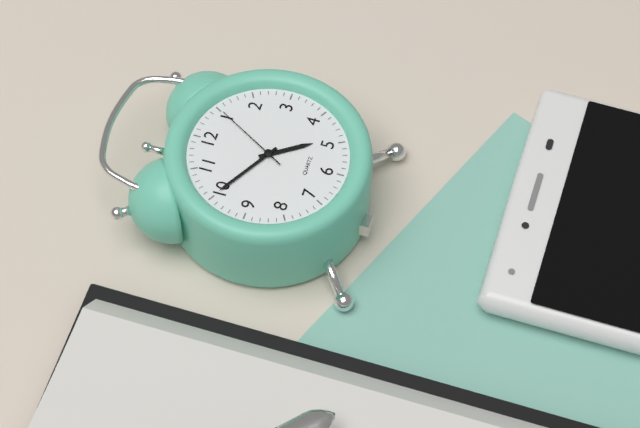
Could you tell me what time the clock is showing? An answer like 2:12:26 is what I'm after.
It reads 4:50:05
